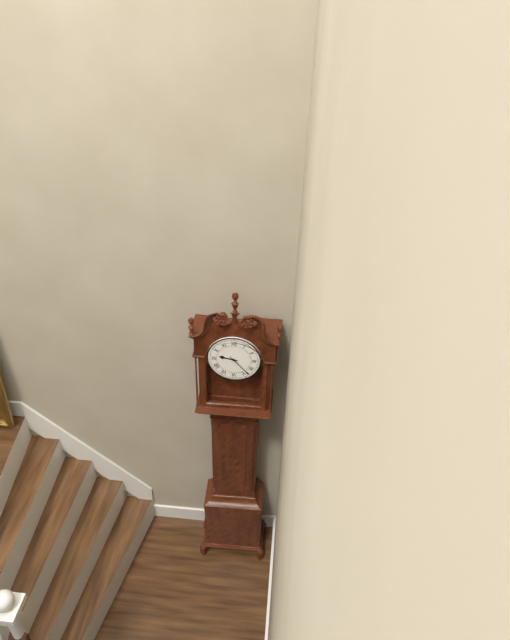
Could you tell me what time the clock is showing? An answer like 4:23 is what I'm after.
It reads 9:23
